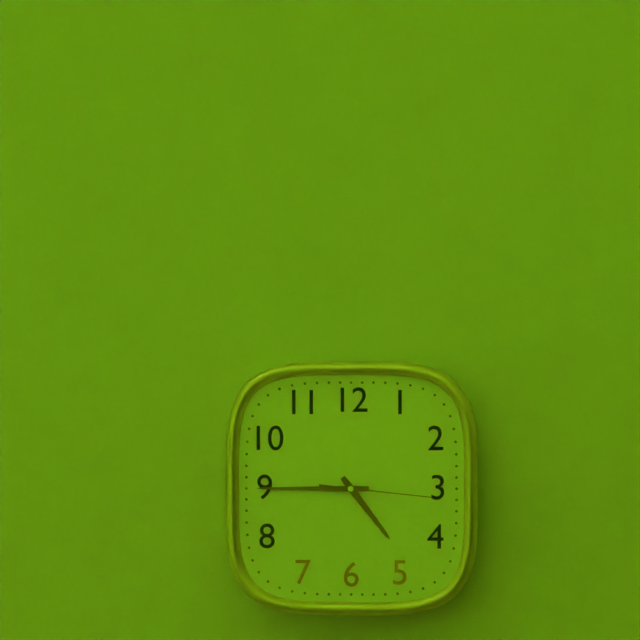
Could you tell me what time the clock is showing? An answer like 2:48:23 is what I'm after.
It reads 4:45:16
